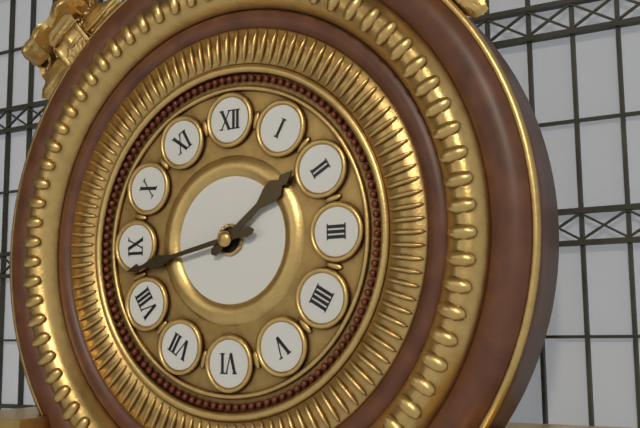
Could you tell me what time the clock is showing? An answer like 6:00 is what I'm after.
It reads 1:43
